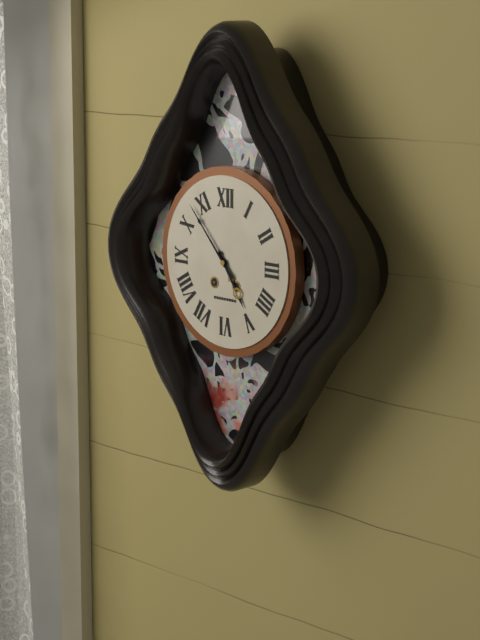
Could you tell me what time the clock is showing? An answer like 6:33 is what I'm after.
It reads 4:53
